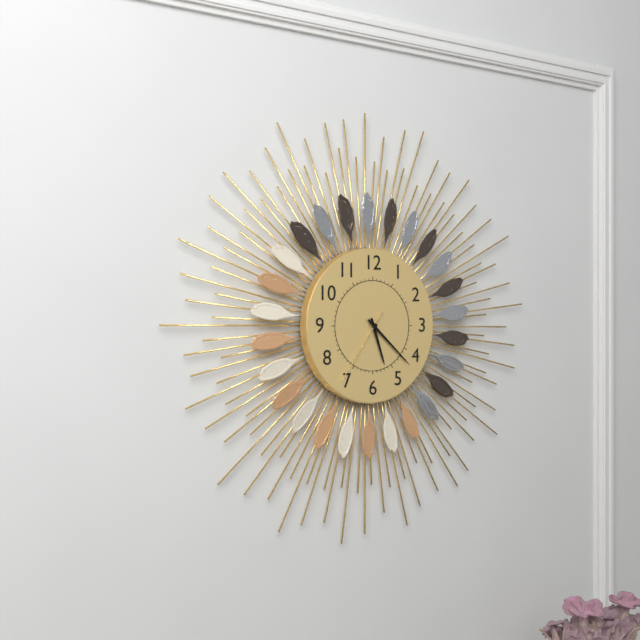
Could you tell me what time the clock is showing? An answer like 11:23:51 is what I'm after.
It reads 5:22:36
